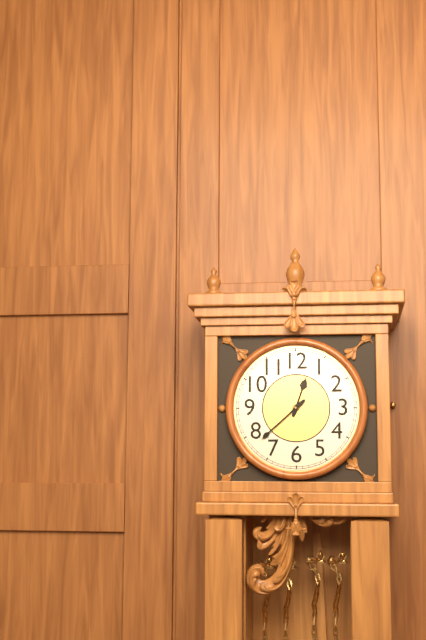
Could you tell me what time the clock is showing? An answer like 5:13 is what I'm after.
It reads 12:38
